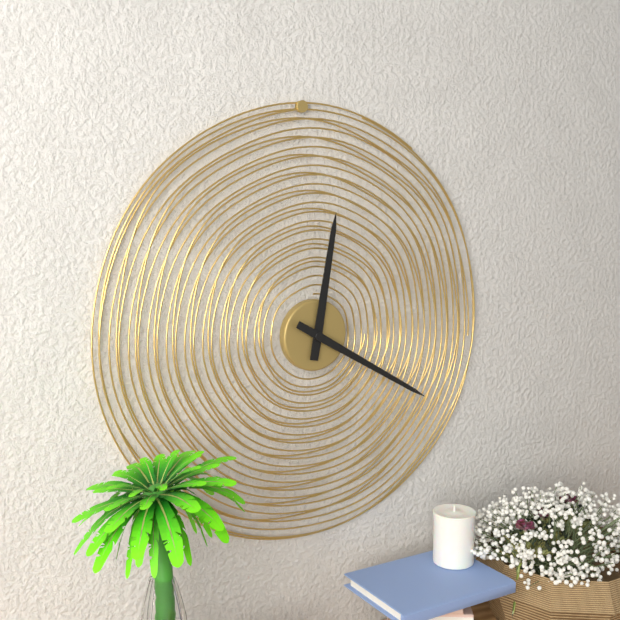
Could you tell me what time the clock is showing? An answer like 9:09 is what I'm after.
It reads 12:20
